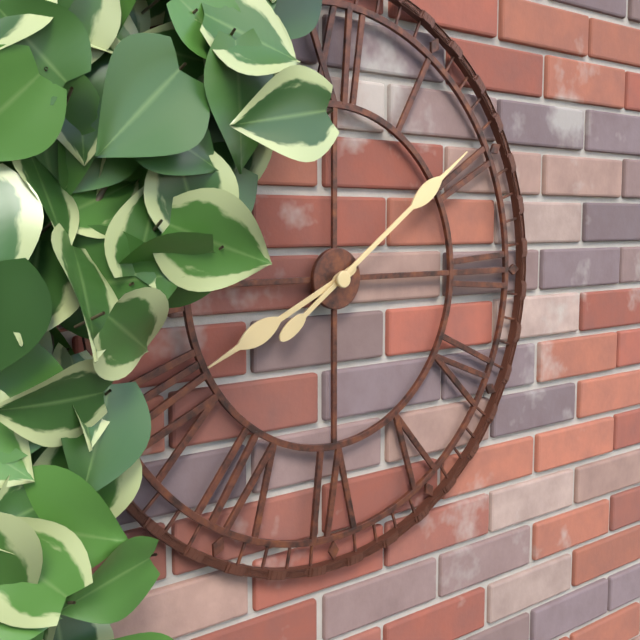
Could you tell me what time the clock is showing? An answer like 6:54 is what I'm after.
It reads 8:09
